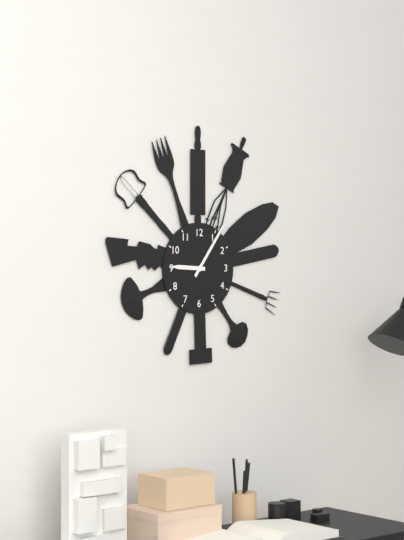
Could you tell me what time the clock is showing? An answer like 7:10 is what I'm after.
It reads 9:06
